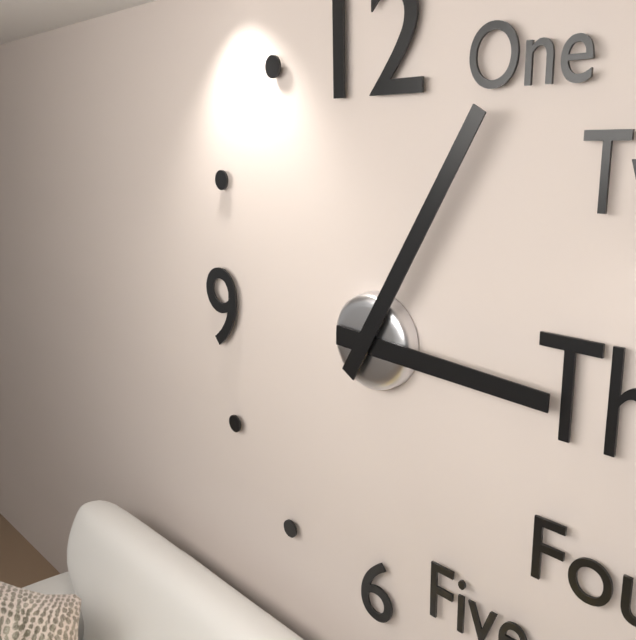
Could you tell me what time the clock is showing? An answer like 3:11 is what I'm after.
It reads 3:05
